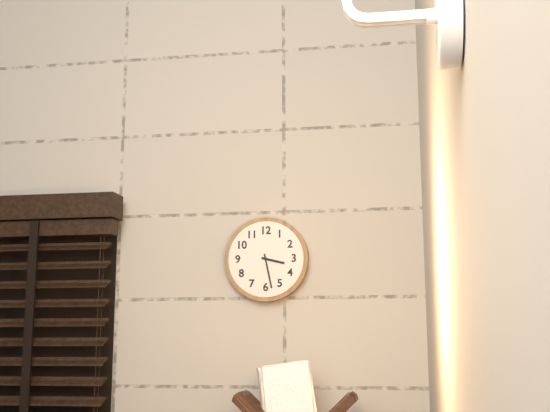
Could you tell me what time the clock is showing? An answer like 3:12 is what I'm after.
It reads 3:28
